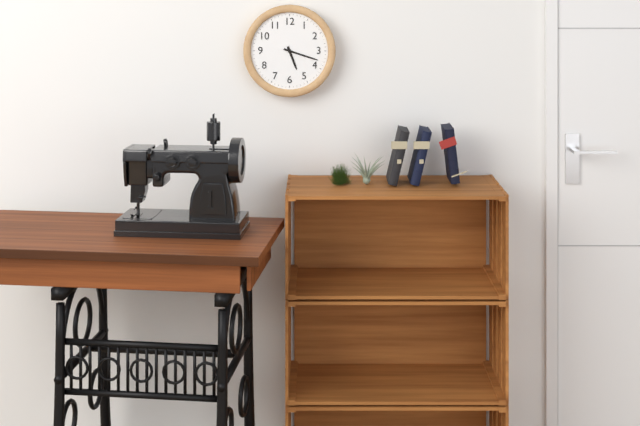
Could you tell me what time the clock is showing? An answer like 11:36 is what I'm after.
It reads 5:18
